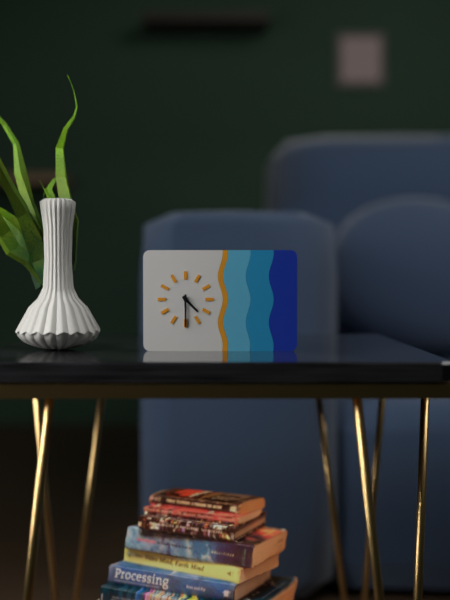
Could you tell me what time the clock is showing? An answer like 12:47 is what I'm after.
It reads 4:30
